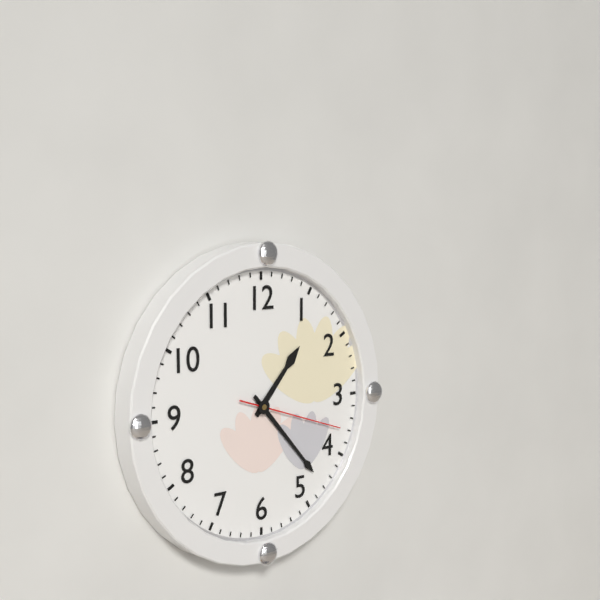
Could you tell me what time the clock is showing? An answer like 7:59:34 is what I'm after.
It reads 1:23:18
